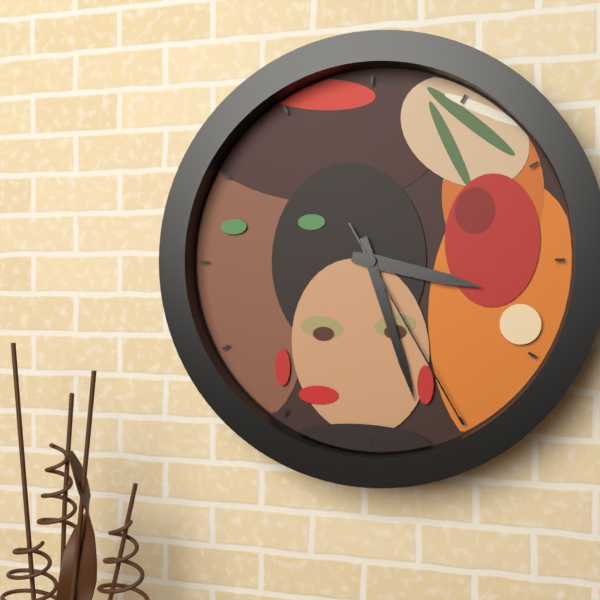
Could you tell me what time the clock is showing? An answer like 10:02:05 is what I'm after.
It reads 3:27:25
